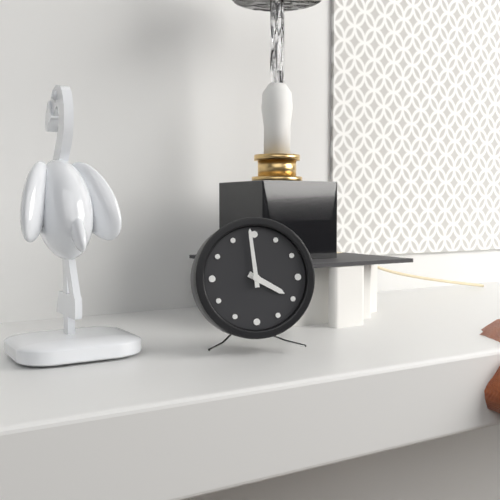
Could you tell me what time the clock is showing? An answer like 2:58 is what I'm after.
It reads 3:59
